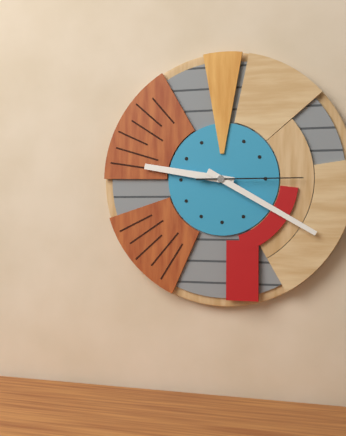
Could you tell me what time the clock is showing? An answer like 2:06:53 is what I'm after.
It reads 9:20:15
